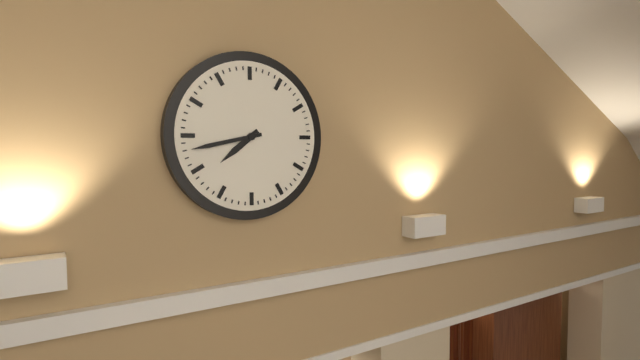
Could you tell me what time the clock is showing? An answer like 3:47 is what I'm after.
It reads 7:43
